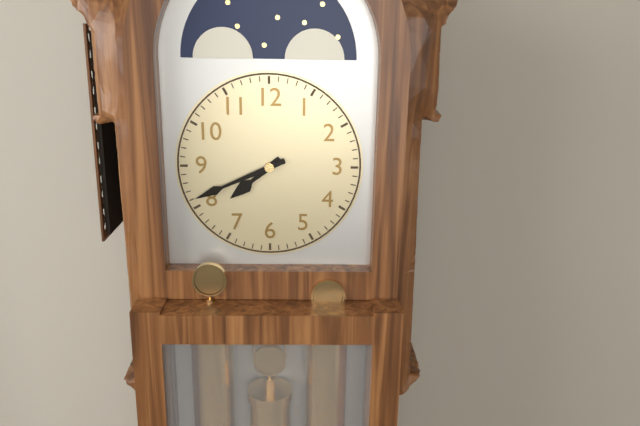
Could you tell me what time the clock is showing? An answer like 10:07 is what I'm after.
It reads 7:41
